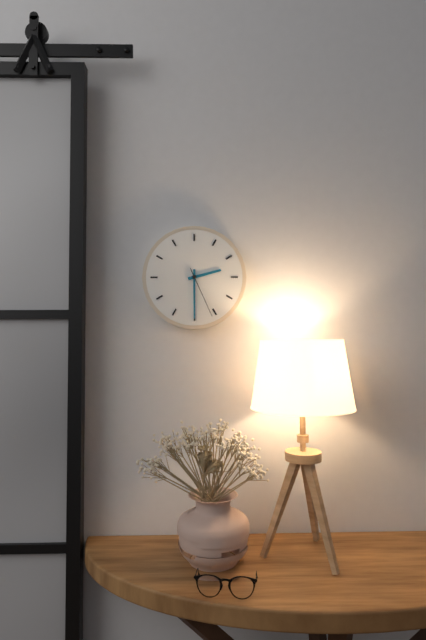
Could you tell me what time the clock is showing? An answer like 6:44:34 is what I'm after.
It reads 2:30:26
